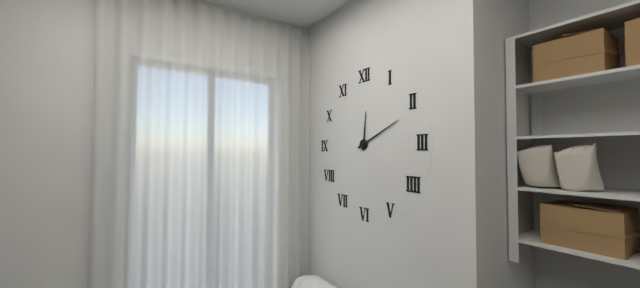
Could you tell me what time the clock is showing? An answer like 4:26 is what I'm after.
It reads 12:11
